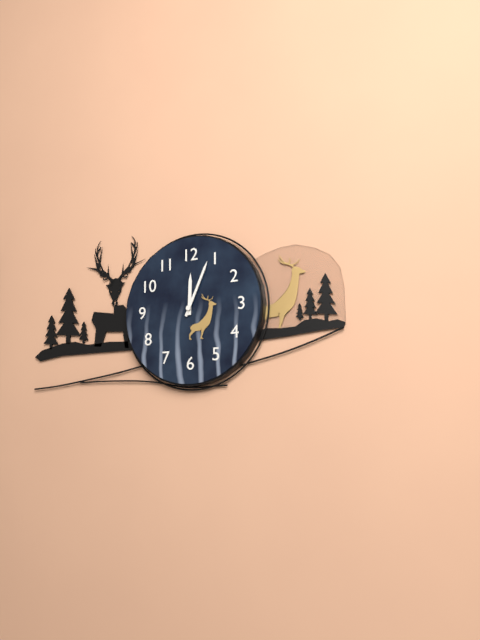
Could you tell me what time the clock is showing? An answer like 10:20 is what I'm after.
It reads 12:04
